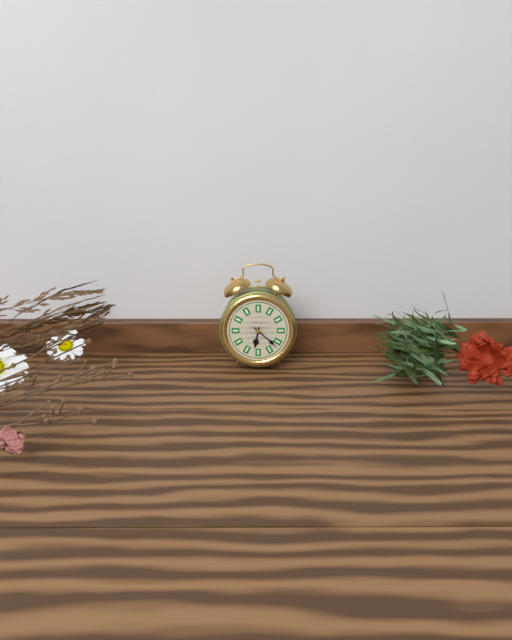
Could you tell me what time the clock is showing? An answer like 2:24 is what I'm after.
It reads 6:22
